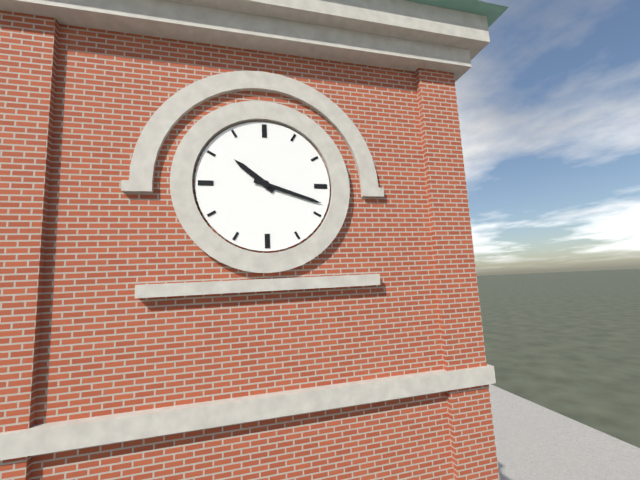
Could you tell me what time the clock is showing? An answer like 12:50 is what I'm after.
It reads 10:18
